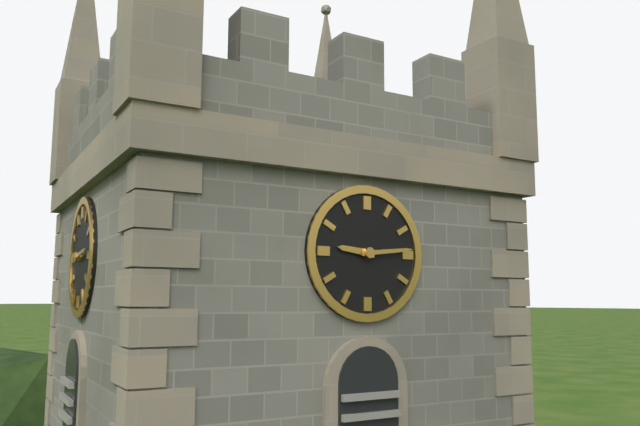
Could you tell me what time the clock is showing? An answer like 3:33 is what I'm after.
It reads 9:14
